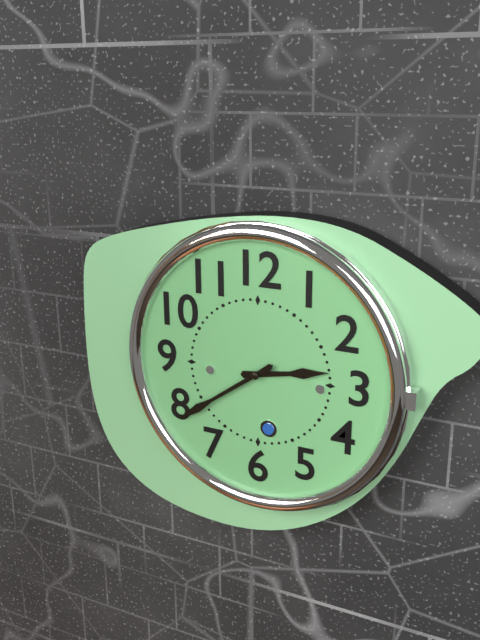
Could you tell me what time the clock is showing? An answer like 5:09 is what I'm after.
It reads 2:39
